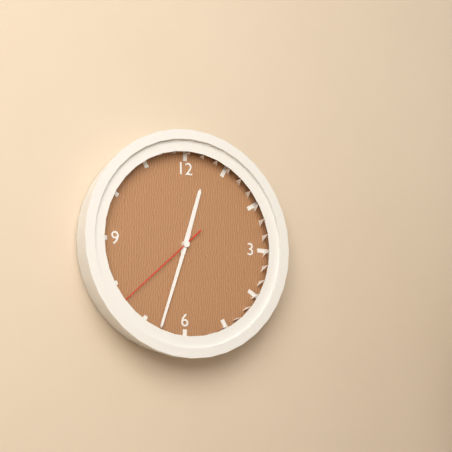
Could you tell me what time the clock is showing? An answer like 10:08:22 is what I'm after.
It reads 12:33:38
